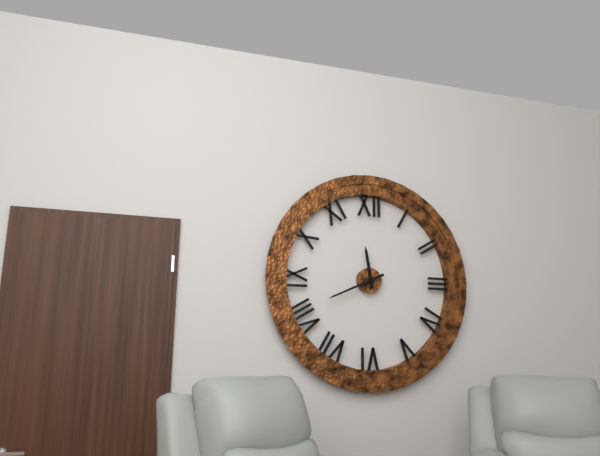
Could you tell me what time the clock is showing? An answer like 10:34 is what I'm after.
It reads 11:41
